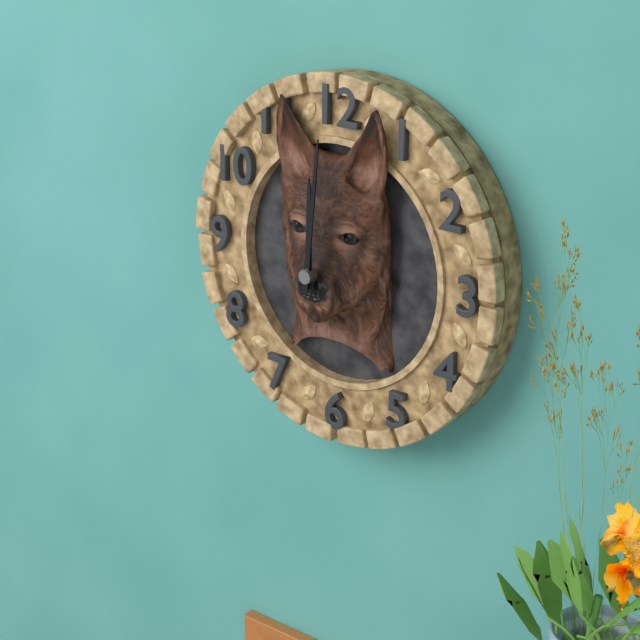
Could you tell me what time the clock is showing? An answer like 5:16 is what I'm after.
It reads 12:01
